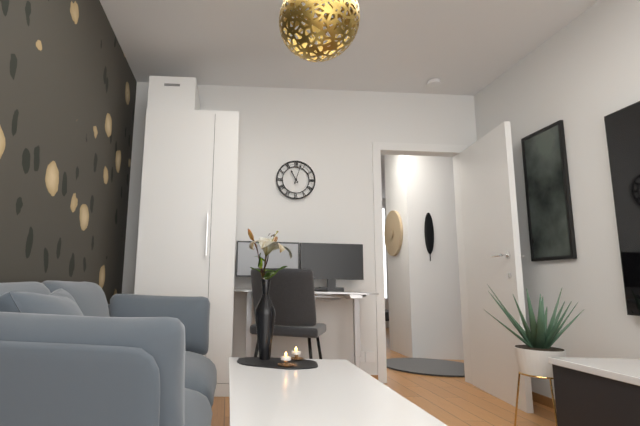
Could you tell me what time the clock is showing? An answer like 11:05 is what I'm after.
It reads 11:03
